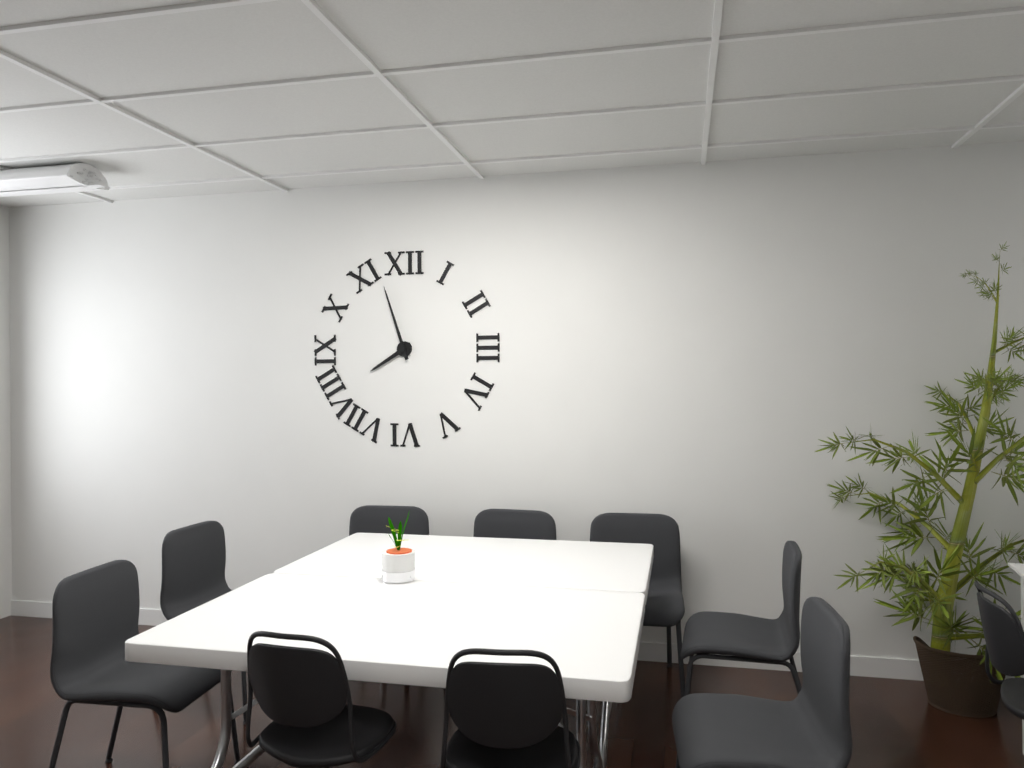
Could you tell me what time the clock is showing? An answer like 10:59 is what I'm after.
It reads 7:57
